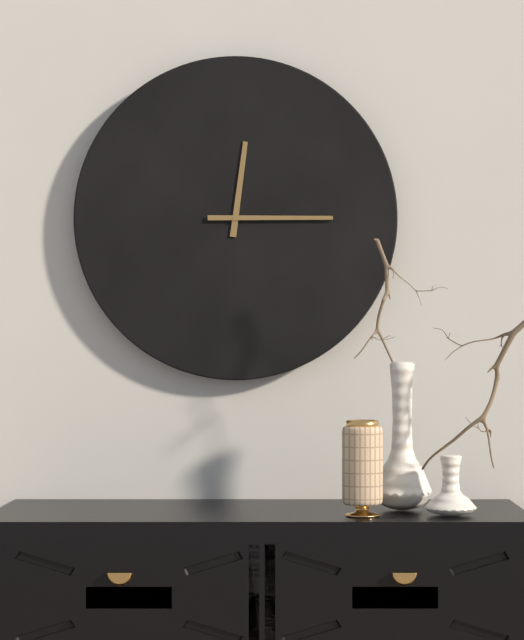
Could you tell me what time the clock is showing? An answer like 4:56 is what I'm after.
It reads 12:15
